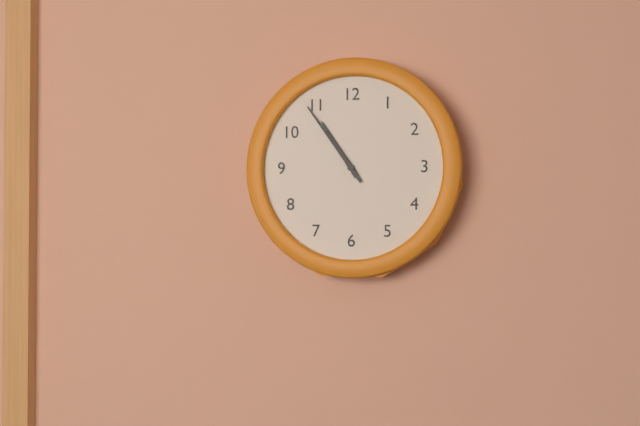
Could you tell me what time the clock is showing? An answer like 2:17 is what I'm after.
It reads 10:54
